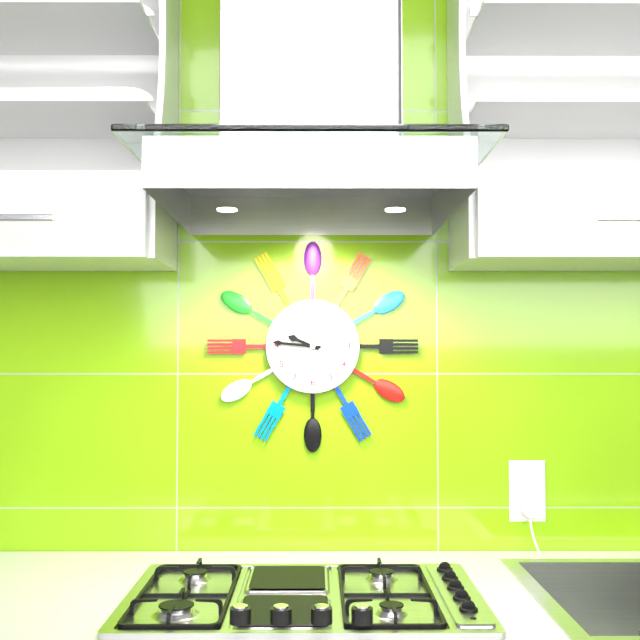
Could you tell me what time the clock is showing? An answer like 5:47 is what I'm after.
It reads 9:46
